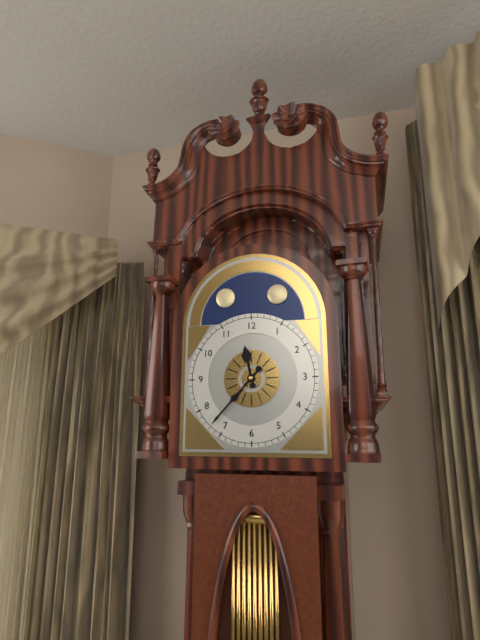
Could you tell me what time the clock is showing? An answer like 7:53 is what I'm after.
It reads 11:37
